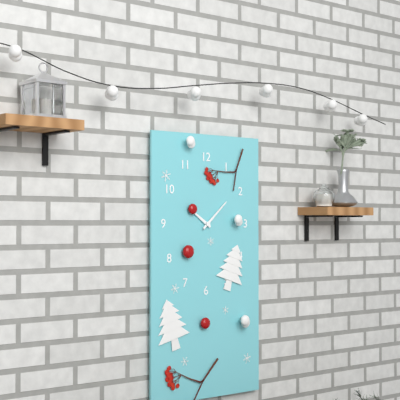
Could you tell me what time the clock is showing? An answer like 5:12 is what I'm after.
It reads 10:08
